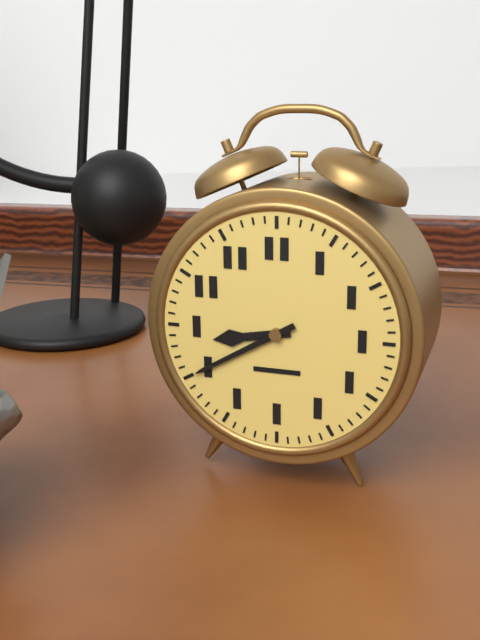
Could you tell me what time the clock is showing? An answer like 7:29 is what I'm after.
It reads 8:40
